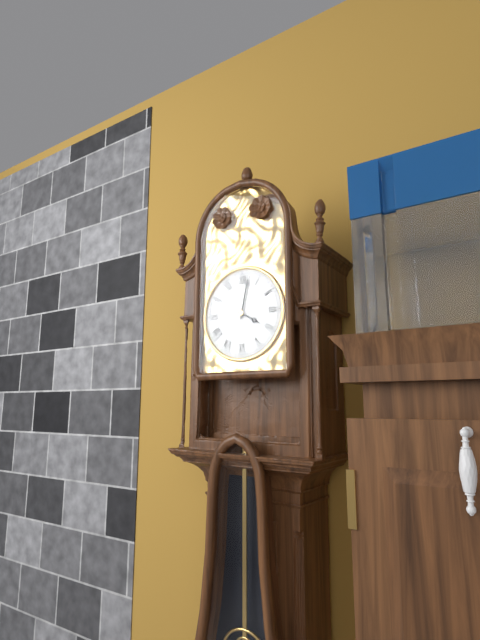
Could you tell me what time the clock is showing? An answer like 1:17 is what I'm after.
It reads 4:02
